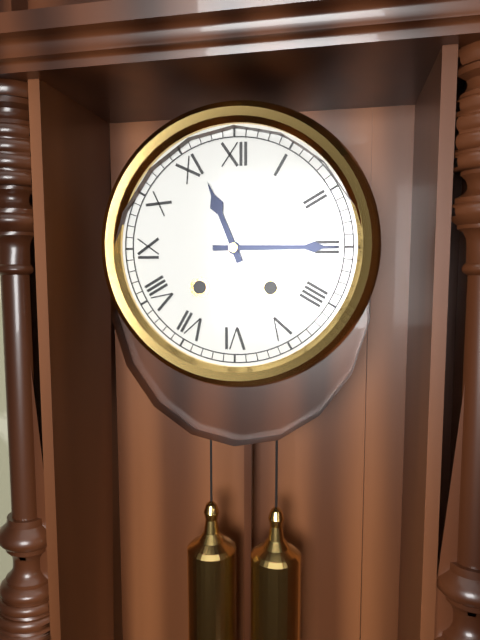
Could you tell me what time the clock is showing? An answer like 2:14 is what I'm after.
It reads 11:15
